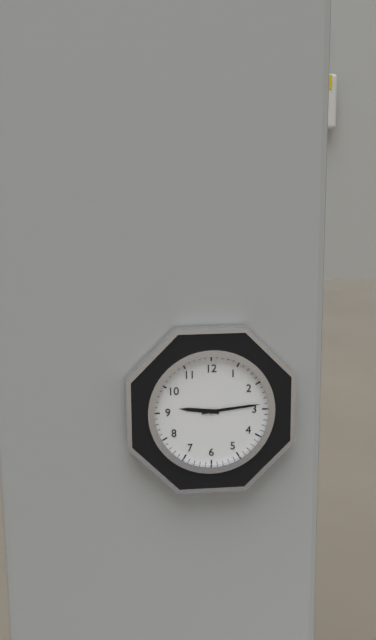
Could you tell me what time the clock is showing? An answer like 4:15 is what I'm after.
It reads 9:14
